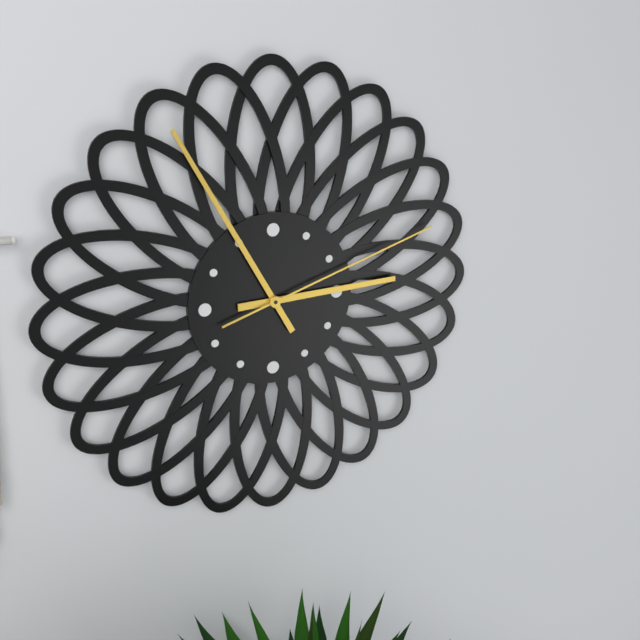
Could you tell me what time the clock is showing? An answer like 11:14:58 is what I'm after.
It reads 2:55:12
